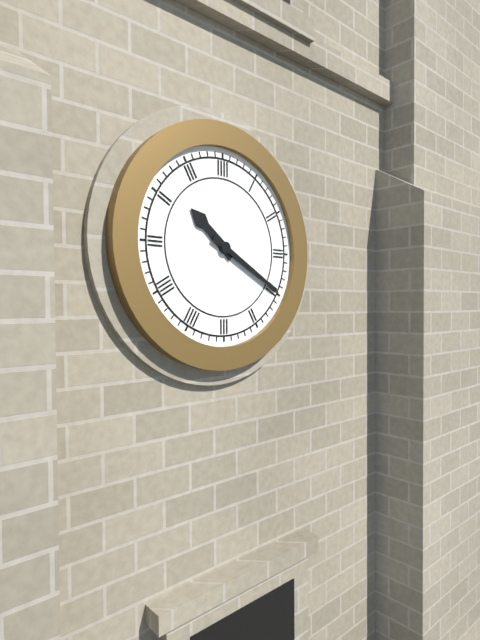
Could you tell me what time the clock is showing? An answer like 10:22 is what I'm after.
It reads 10:20
